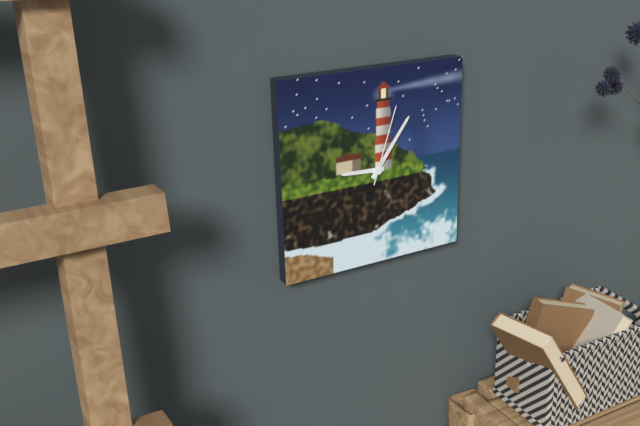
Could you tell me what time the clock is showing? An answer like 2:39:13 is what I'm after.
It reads 9:06:03
